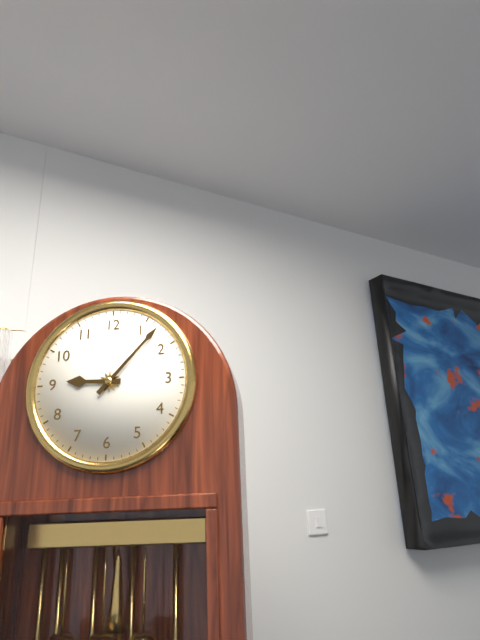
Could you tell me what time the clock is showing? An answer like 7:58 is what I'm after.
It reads 9:07
